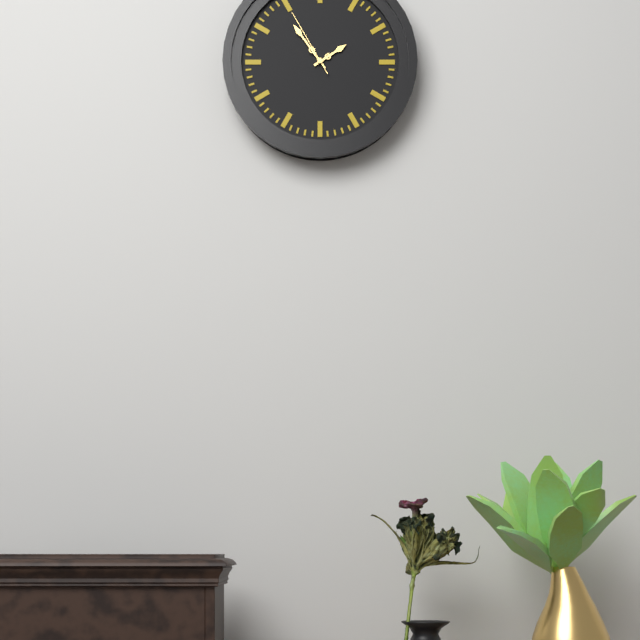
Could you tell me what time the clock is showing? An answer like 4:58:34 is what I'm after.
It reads 1:54:55
